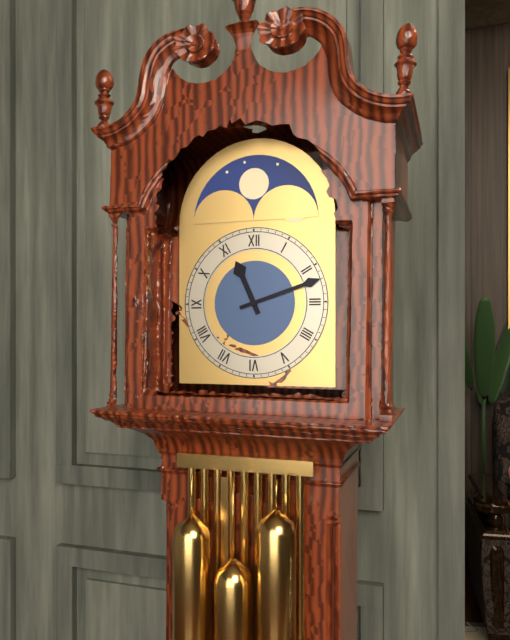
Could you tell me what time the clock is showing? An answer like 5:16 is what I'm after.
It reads 11:12
